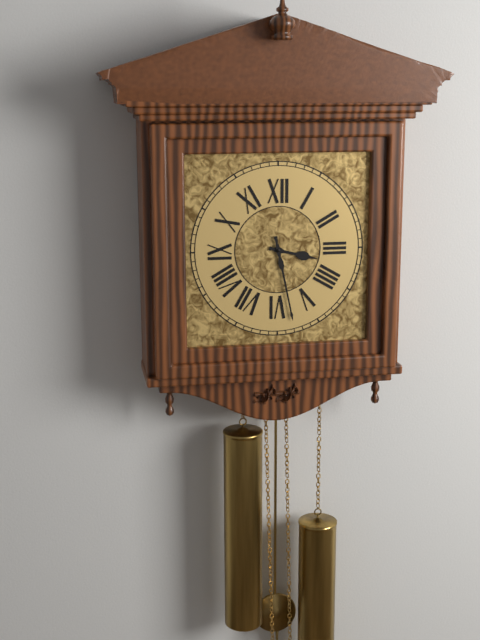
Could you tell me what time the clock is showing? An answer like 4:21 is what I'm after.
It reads 3:28
